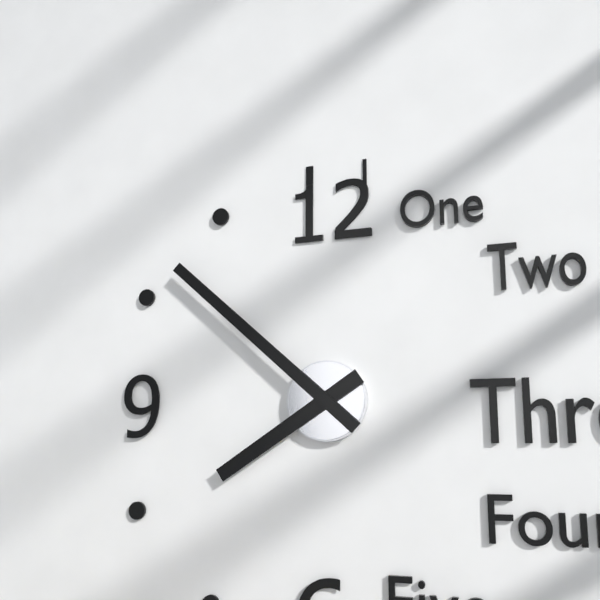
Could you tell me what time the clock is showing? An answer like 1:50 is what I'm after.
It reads 7:52
